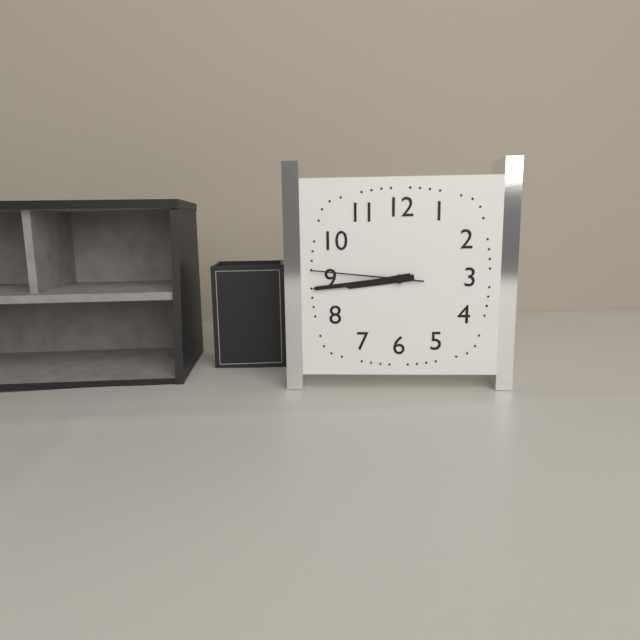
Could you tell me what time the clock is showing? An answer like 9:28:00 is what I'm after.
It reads 8:44:46
